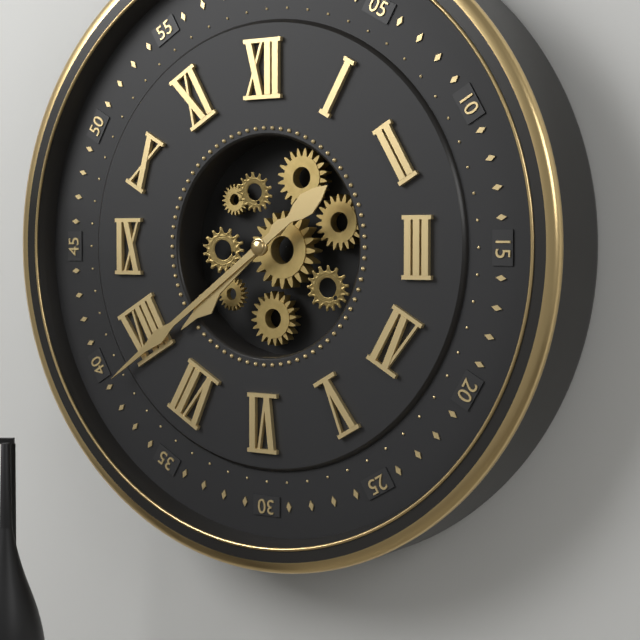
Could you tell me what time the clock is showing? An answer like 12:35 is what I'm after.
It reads 7:39
